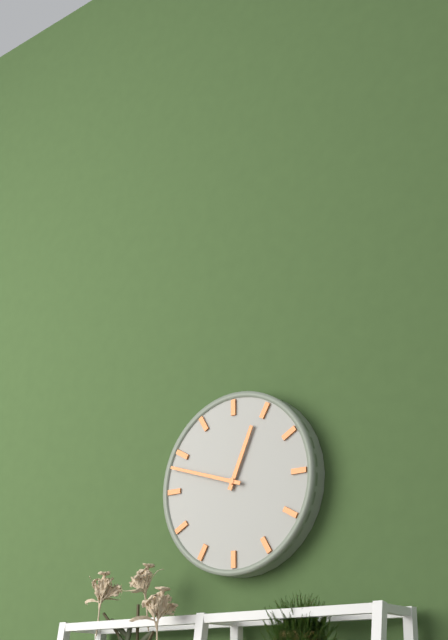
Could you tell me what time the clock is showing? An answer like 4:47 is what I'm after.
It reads 12:48
